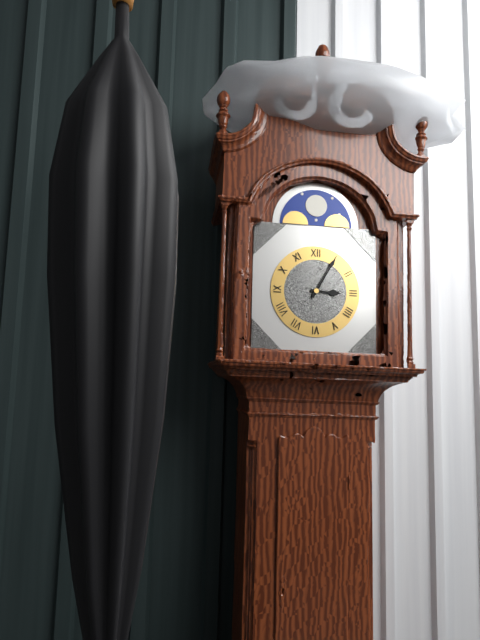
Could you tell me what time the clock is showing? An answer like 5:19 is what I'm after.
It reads 3:05
